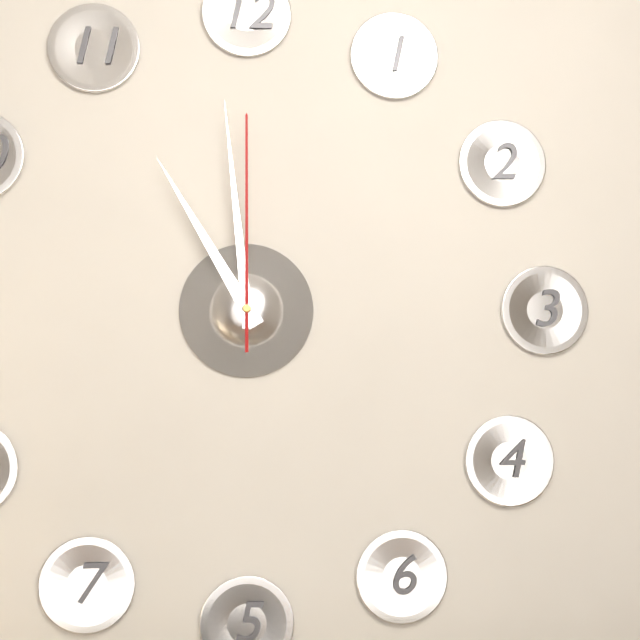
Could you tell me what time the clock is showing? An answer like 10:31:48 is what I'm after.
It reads 10:59:00
